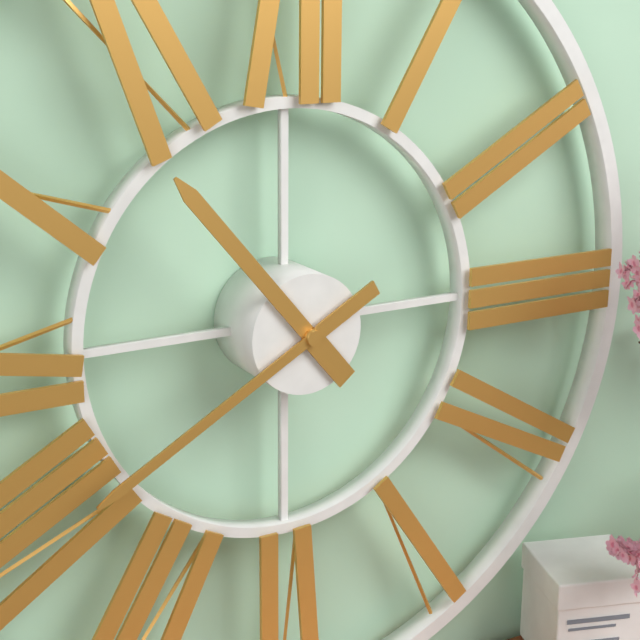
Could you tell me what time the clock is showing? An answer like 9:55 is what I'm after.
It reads 10:40
